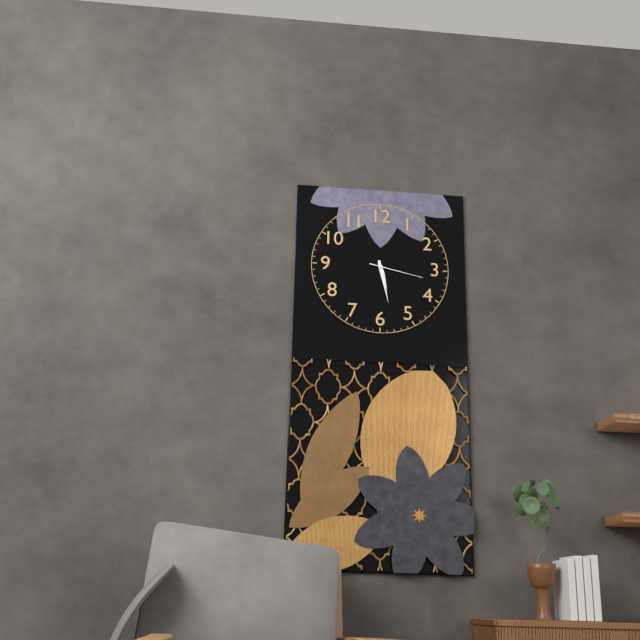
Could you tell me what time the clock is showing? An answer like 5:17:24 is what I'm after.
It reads 5:28:17
